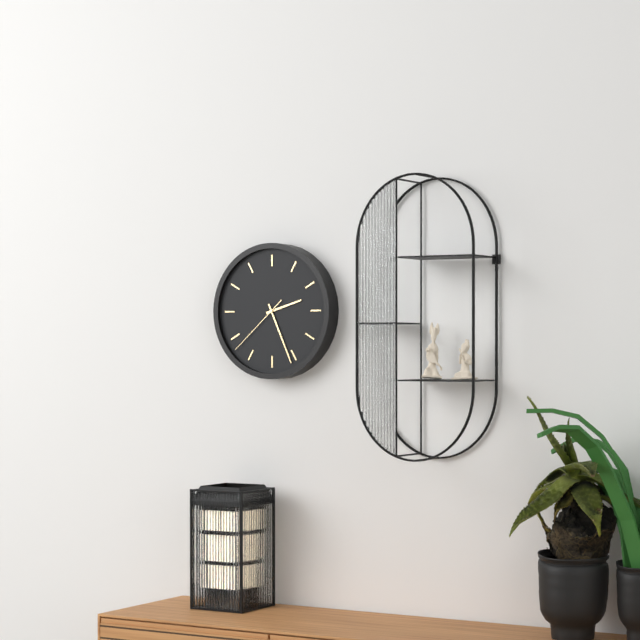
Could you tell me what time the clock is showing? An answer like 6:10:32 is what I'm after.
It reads 2:26:38
